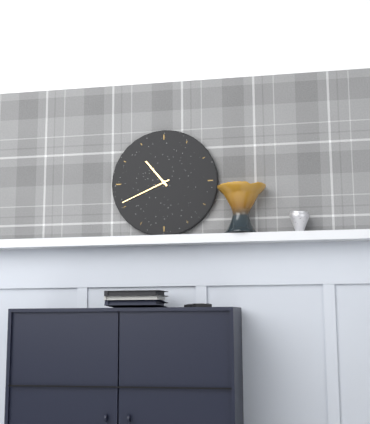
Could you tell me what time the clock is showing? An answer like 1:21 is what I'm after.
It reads 10:41
